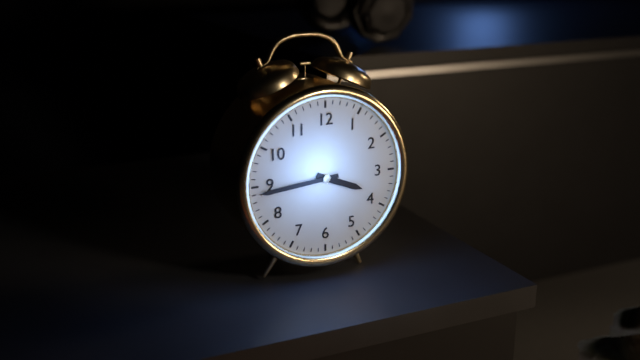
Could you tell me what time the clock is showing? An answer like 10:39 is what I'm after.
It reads 3:44
